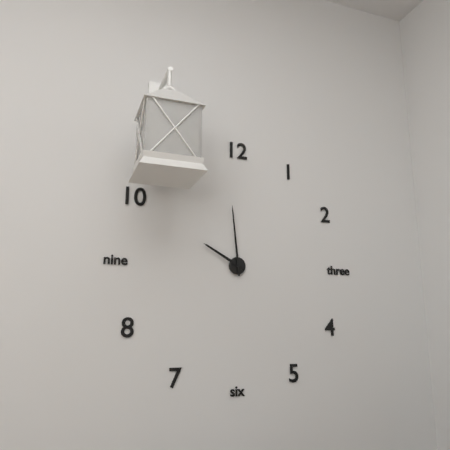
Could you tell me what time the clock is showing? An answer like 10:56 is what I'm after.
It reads 9:59
